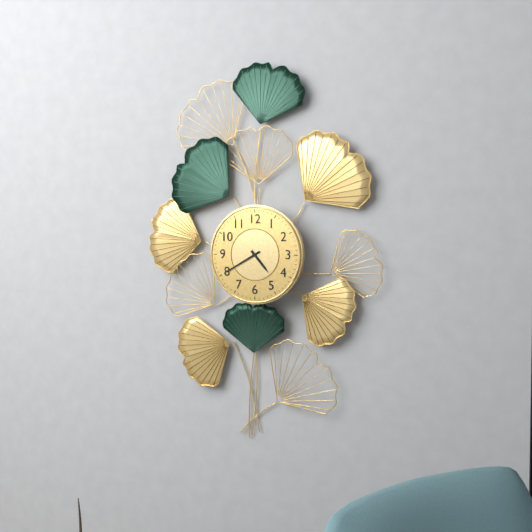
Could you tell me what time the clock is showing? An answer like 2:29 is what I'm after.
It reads 4:40
